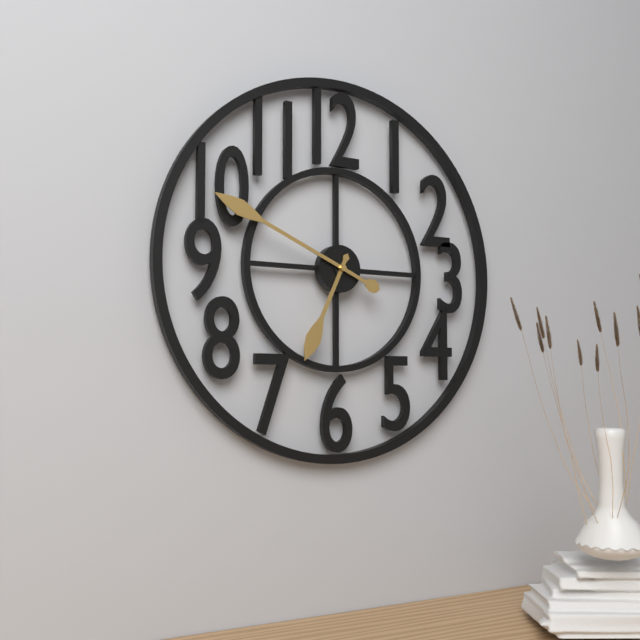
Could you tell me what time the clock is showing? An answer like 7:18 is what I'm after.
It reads 6:49
